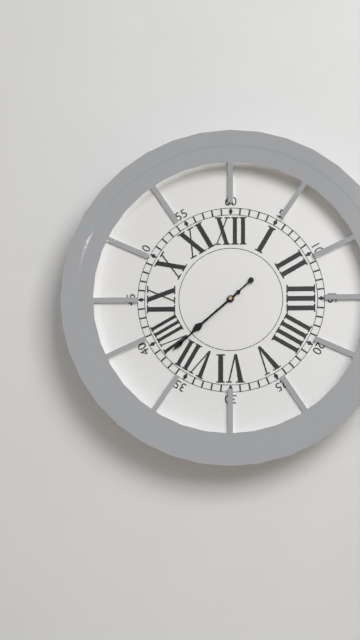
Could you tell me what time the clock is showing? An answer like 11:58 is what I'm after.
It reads 7:38
